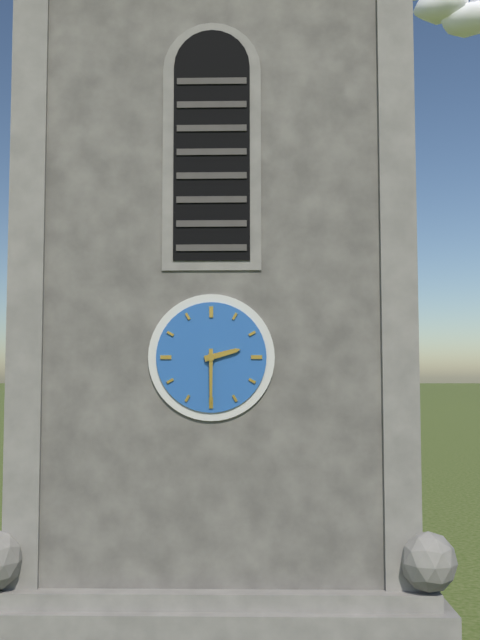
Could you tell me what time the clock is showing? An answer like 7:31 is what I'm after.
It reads 2:30
